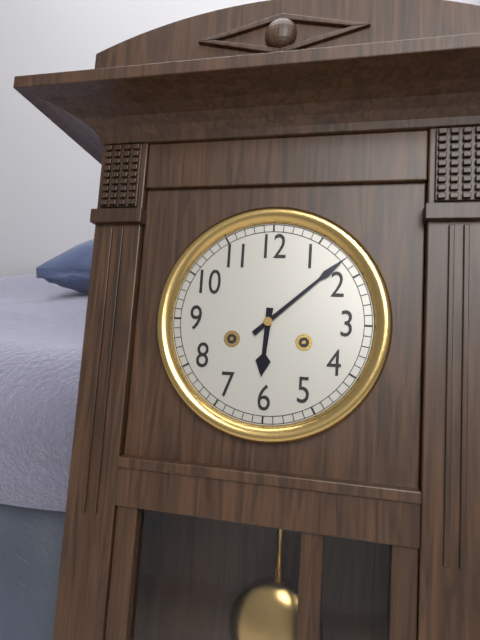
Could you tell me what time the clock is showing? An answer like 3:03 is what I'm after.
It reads 6:08
